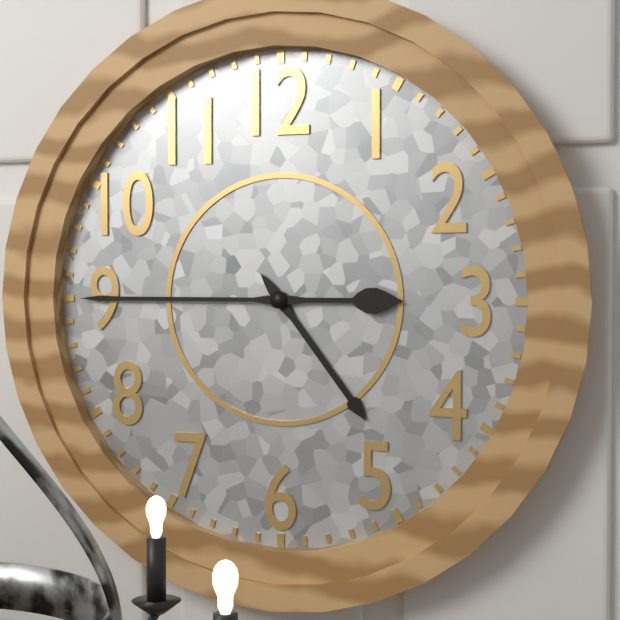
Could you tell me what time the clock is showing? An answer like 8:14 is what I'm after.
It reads 4:45
